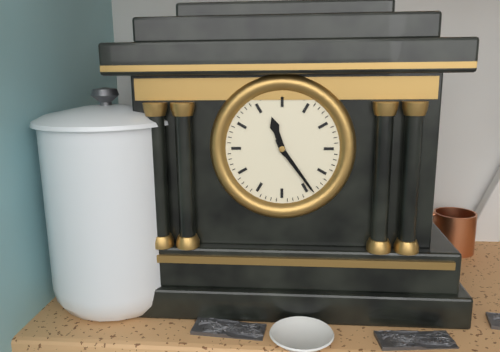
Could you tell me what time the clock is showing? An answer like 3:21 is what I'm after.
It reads 11:24
